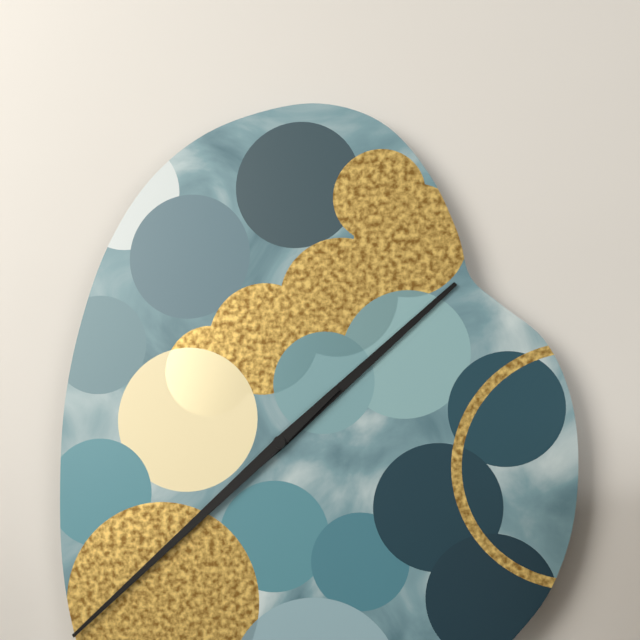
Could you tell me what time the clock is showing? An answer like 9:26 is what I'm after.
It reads 1:38
